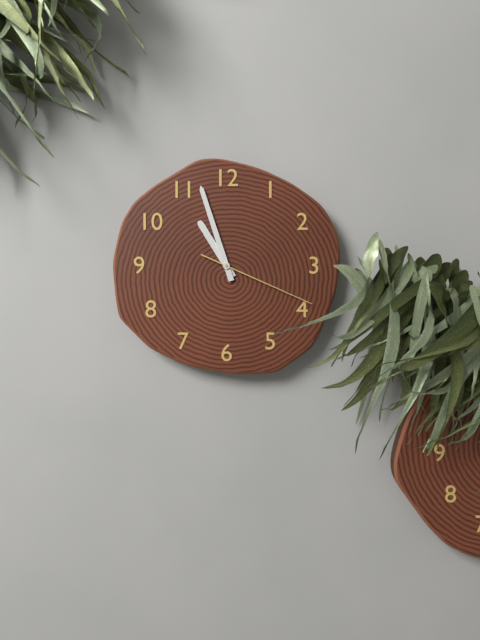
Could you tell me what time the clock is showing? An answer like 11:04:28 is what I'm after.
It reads 10:57:19
